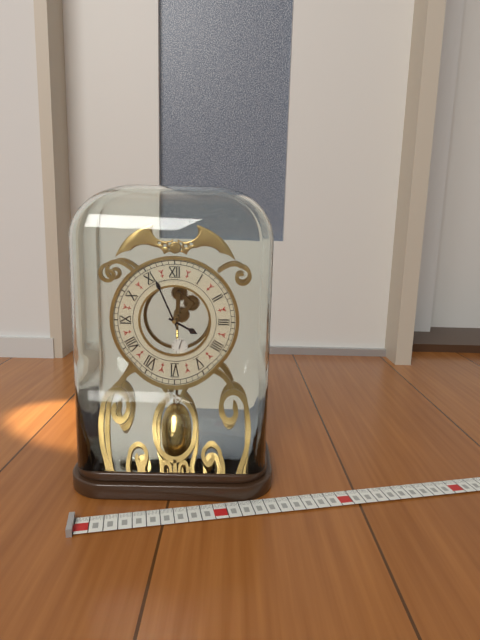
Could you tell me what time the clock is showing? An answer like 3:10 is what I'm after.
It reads 3:56
